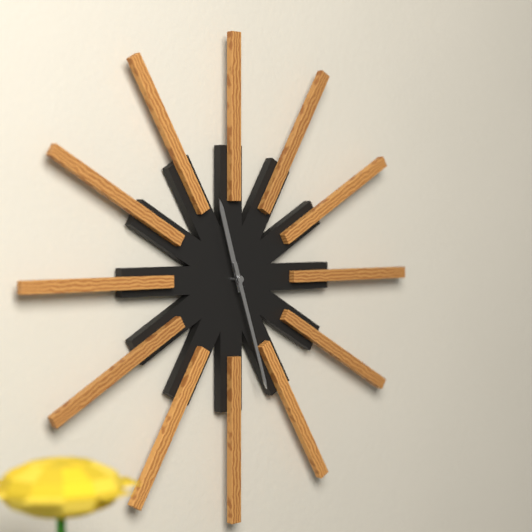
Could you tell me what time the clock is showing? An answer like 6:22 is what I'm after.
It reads 11:27
